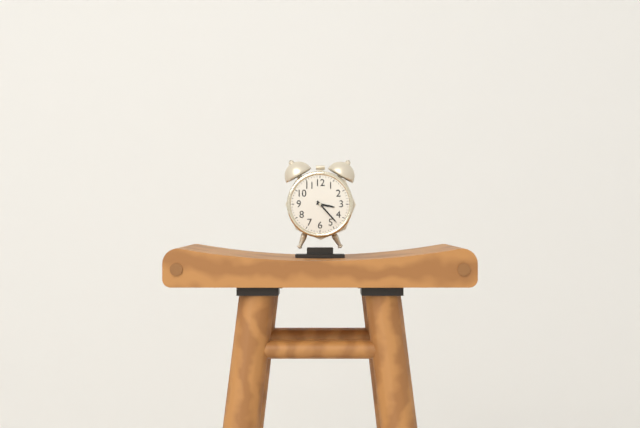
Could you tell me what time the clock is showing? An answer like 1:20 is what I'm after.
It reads 3:23
